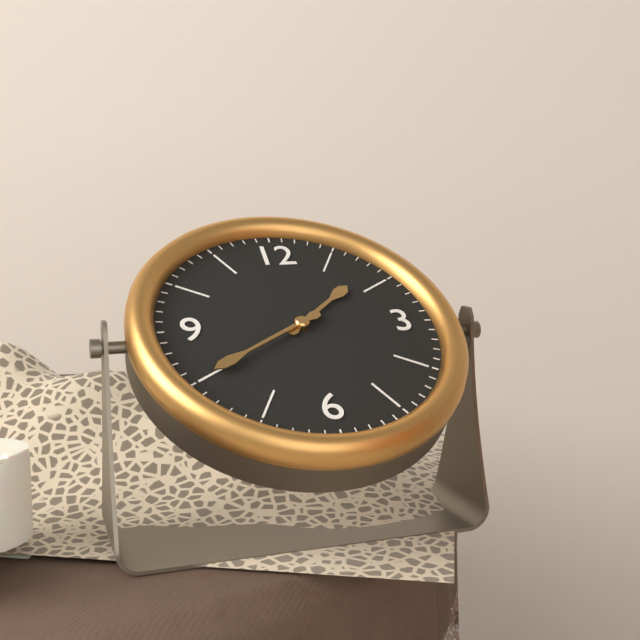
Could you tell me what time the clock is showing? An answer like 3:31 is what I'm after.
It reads 1:40
